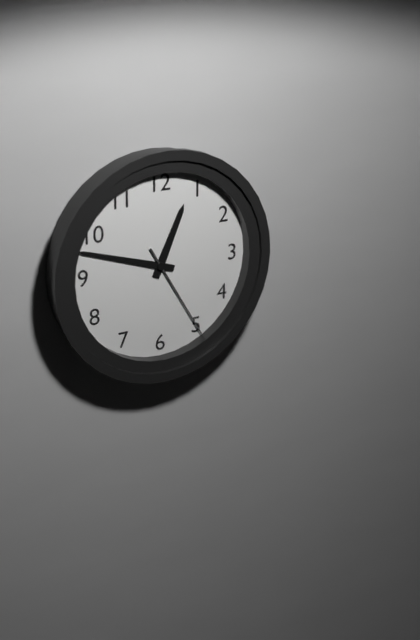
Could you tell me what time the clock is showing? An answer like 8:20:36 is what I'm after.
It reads 12:48:25
